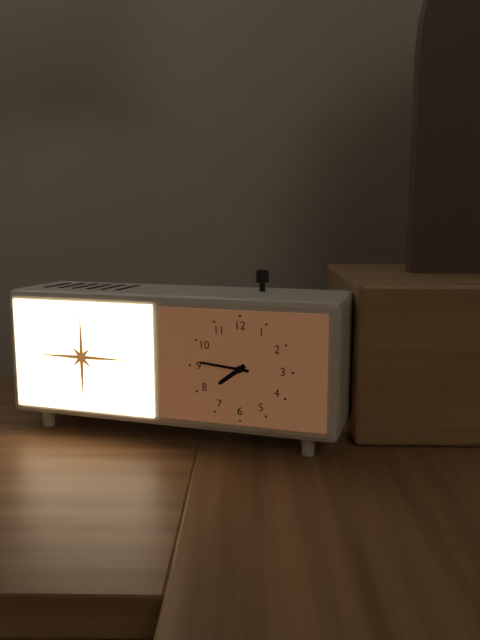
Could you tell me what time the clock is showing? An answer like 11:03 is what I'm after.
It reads 7:46
